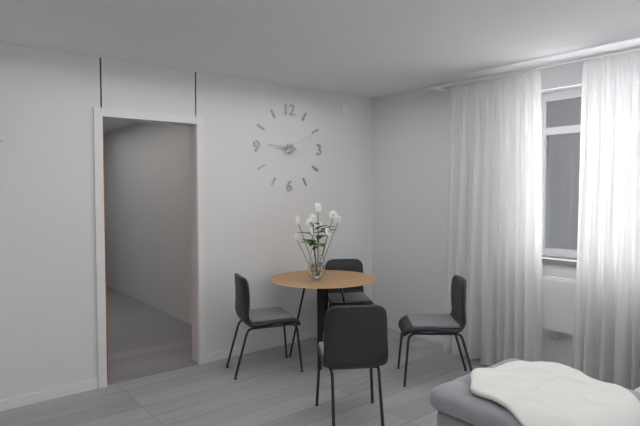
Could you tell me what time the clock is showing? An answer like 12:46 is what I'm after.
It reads 9:10
